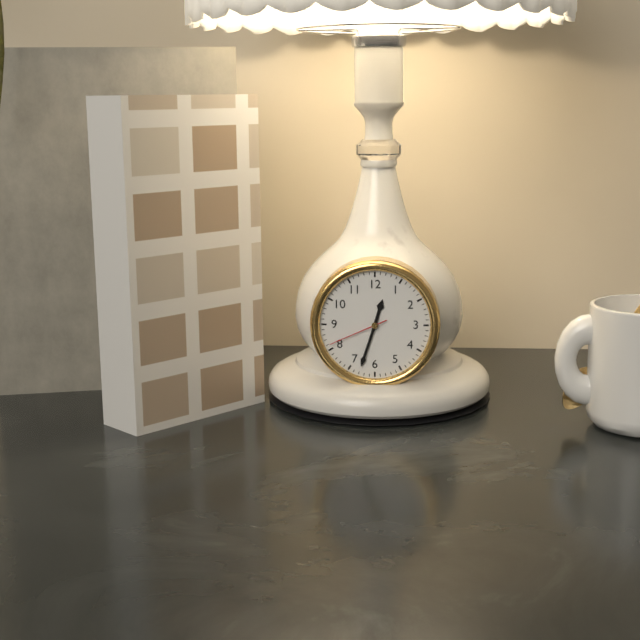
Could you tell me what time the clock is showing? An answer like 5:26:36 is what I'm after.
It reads 12:33:41
